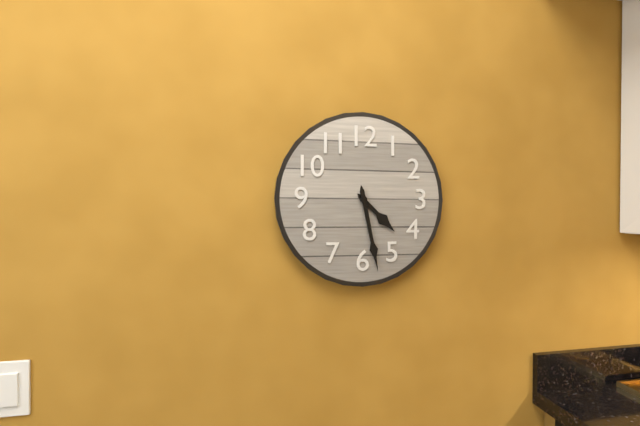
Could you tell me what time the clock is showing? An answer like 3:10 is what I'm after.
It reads 4:28
